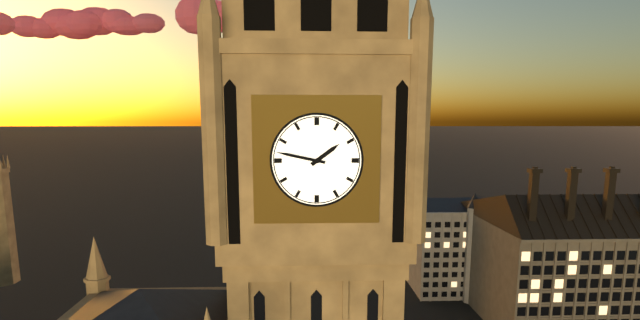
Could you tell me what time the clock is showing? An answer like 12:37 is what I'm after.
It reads 1:47
